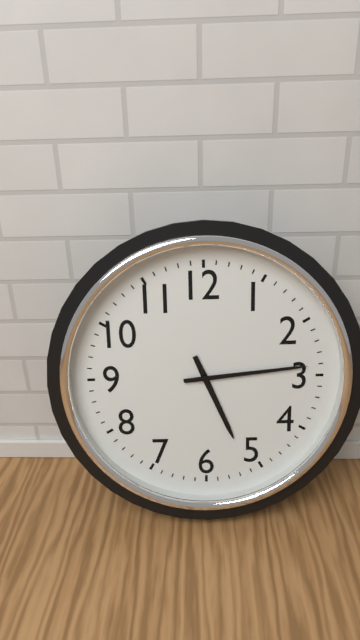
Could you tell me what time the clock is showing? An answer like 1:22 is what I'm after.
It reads 5:14
